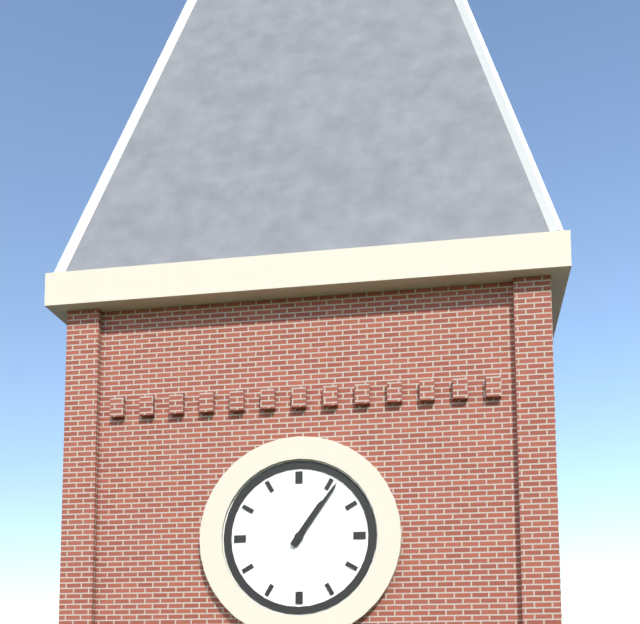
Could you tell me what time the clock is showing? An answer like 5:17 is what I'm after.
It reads 1:06
